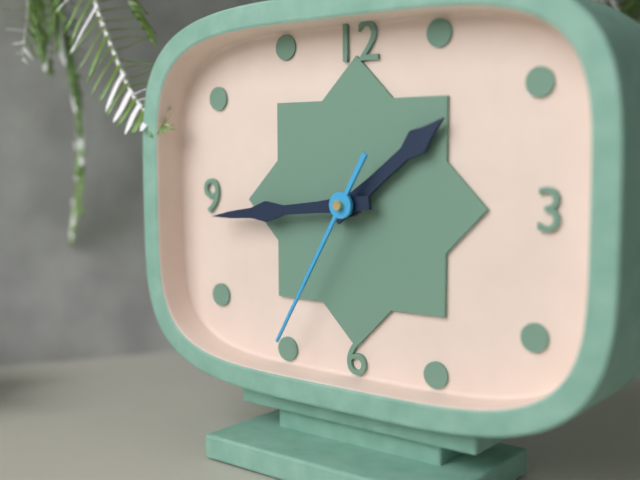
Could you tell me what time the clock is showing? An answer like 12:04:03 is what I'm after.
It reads 1:44:35
